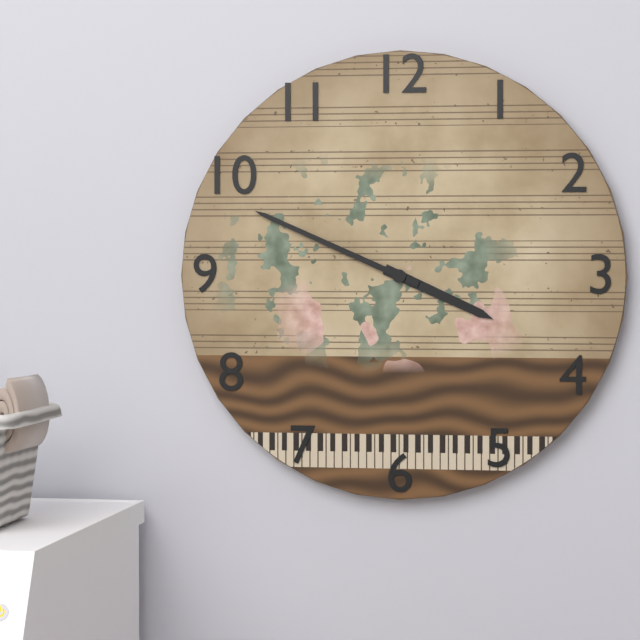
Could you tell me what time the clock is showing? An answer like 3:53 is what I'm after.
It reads 3:49
